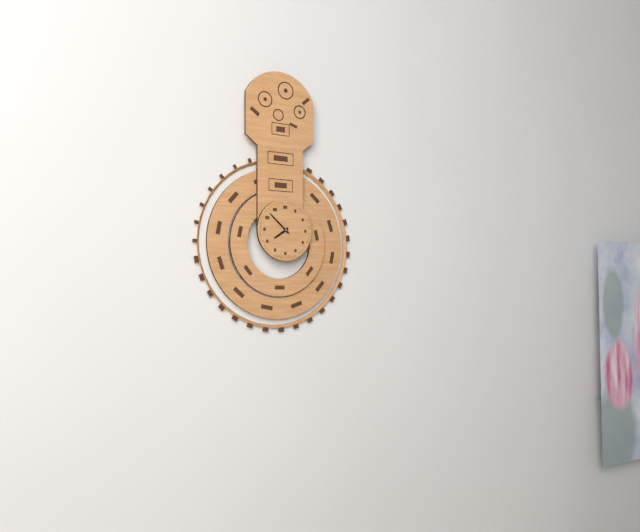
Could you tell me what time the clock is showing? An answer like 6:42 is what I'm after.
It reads 7:52
